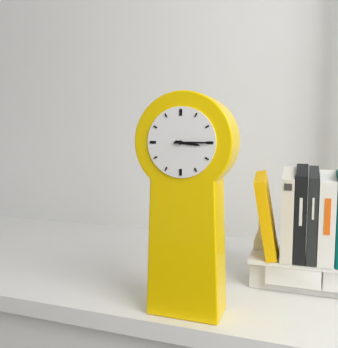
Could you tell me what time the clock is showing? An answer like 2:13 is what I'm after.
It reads 3:15
